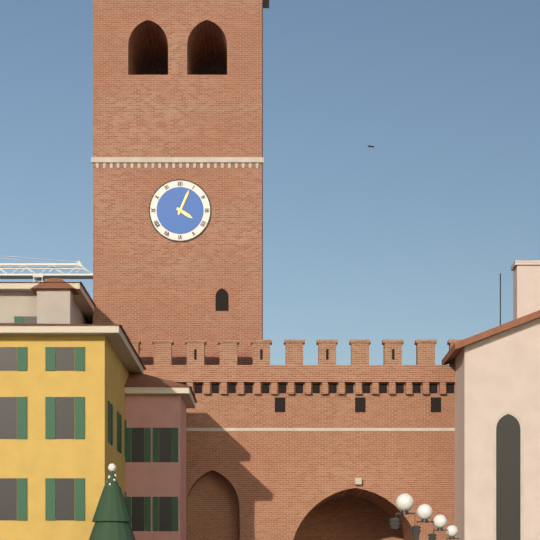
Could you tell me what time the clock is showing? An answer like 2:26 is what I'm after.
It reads 4:04
